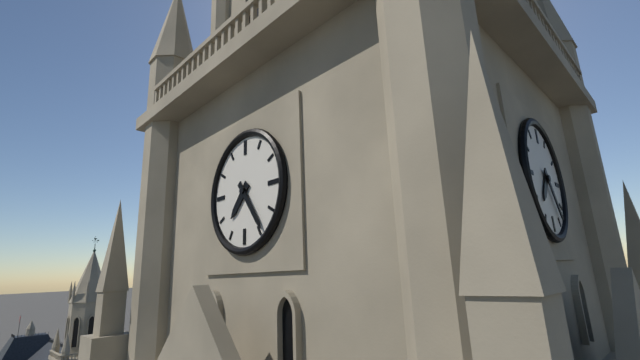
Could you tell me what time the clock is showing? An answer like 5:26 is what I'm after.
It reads 7:24
